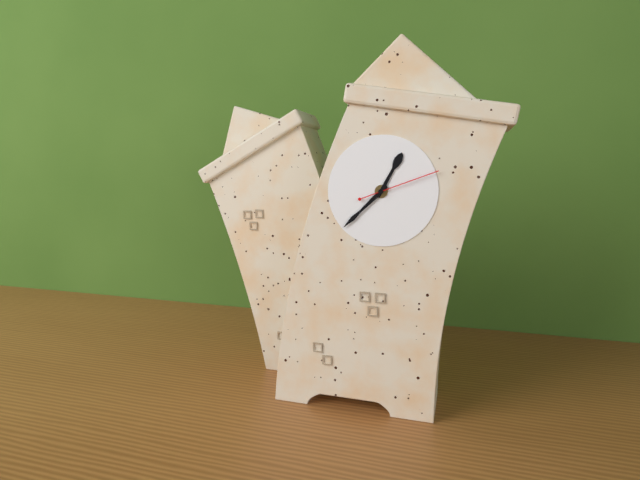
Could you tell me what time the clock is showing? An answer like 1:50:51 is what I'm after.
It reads 12:36:10
